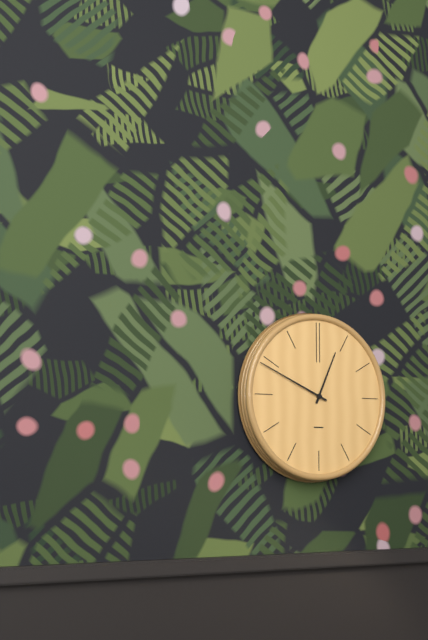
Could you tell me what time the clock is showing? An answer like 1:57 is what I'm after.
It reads 12:49
